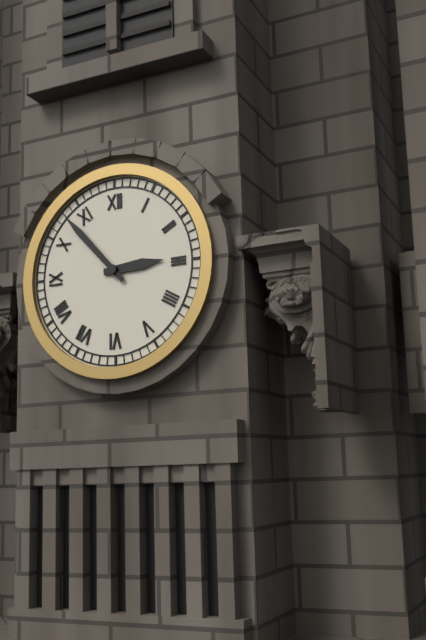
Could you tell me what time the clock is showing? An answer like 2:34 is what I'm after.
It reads 2:53
